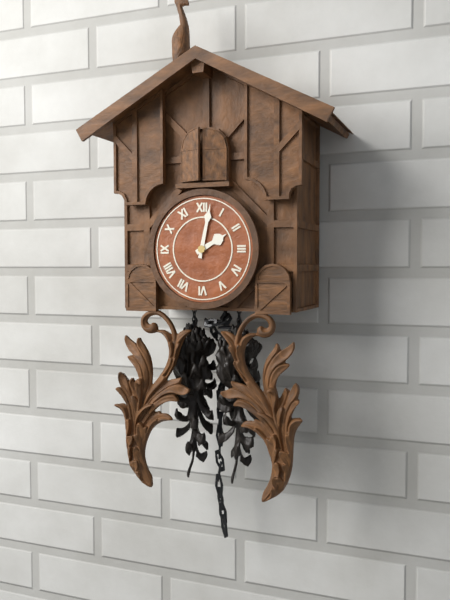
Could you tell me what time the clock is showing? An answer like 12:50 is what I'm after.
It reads 2:02
